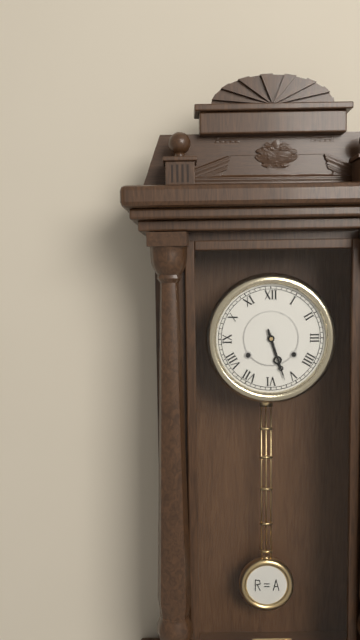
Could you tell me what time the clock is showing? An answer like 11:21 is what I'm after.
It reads 5:27
